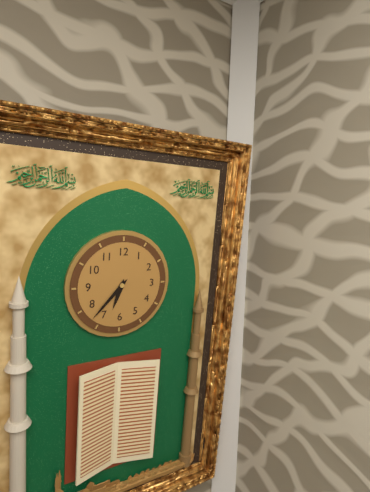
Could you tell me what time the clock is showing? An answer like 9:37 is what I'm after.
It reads 6:37
